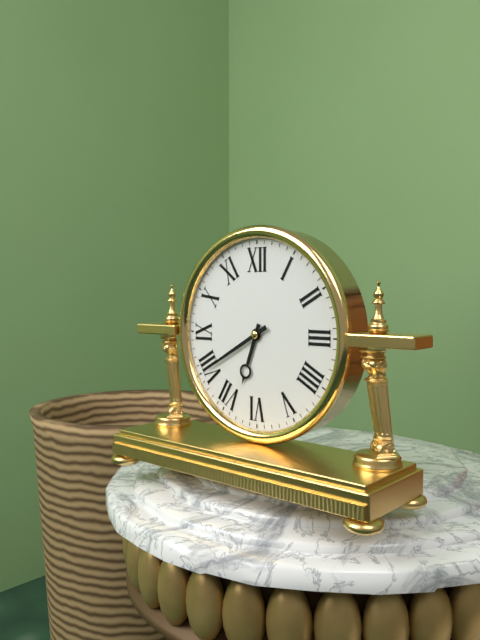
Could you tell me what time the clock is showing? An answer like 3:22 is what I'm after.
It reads 6:40
